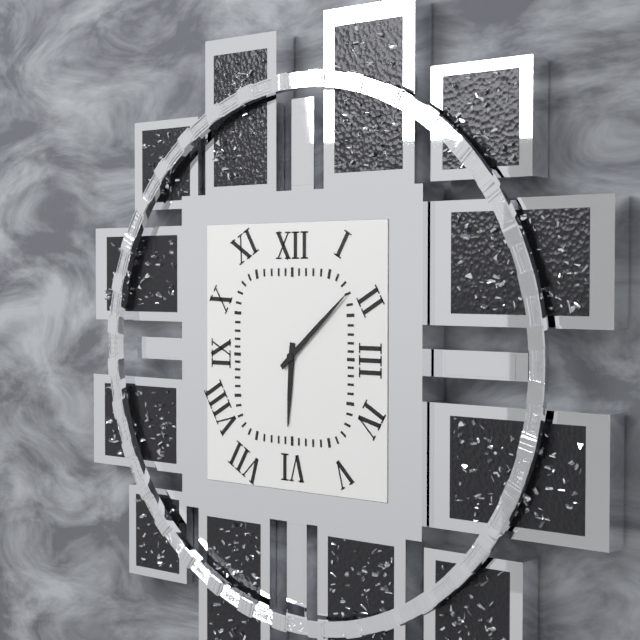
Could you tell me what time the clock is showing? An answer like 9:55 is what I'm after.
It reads 6:08
